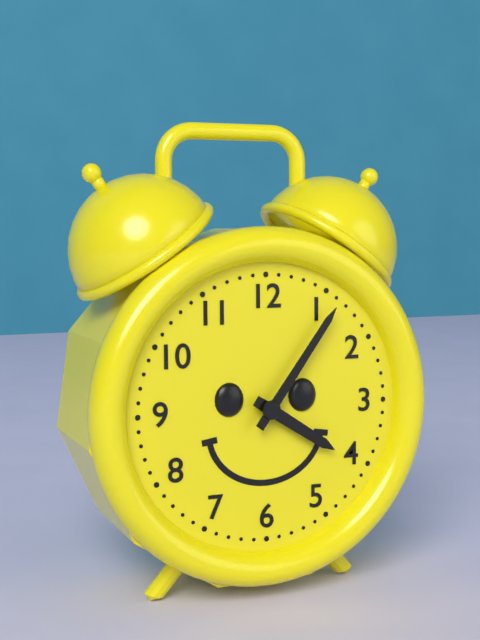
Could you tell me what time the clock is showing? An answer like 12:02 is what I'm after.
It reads 4:06
